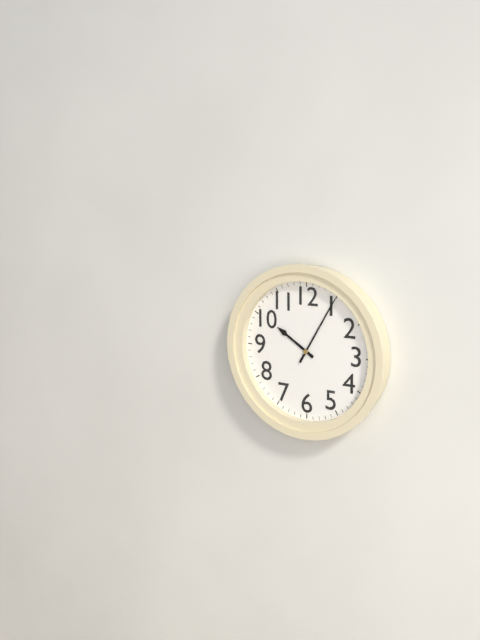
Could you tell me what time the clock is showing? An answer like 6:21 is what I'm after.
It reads 10:05
